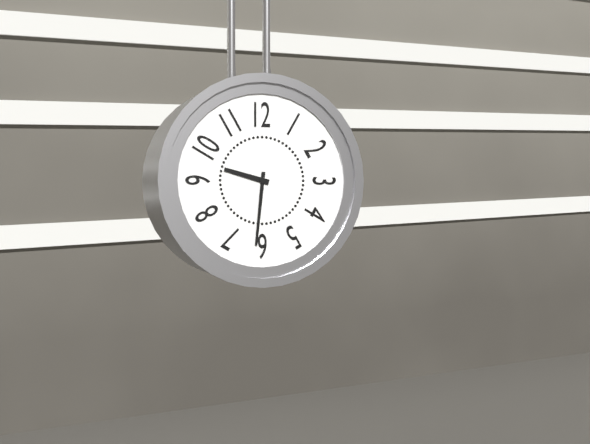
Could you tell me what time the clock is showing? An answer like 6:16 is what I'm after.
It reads 9:31
